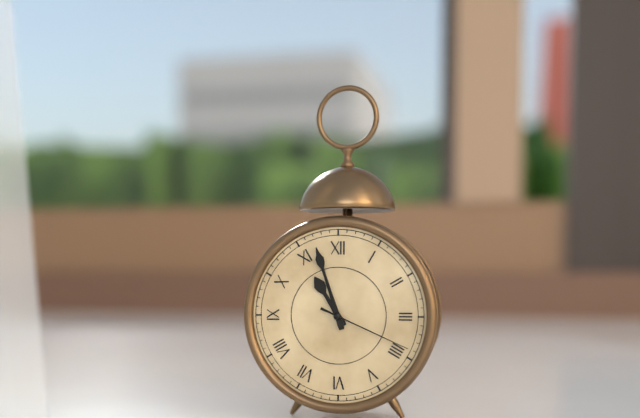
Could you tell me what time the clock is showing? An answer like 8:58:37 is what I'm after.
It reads 10:57:19
